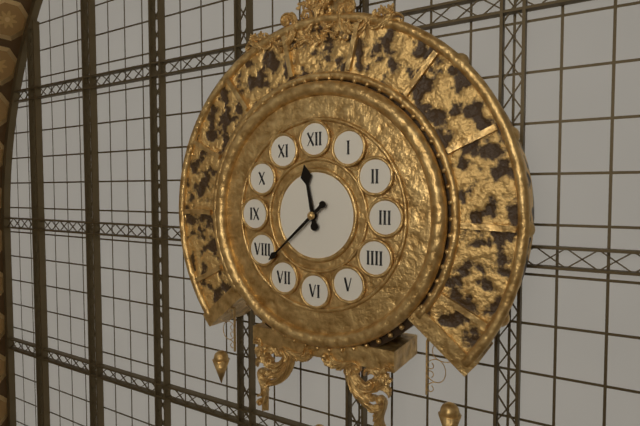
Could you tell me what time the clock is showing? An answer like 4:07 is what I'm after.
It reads 11:38
